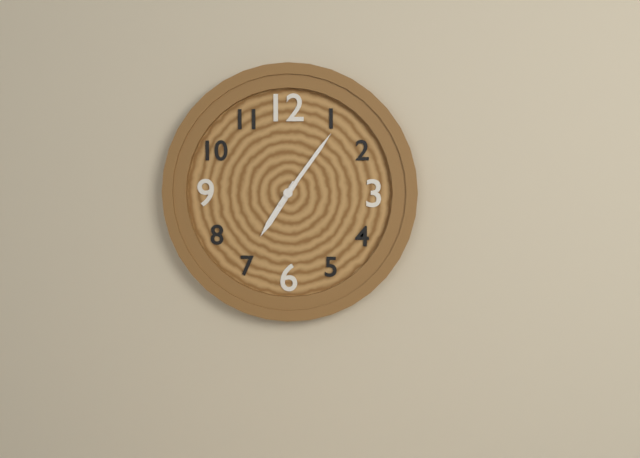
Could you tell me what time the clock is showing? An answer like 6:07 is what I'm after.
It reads 7:06
